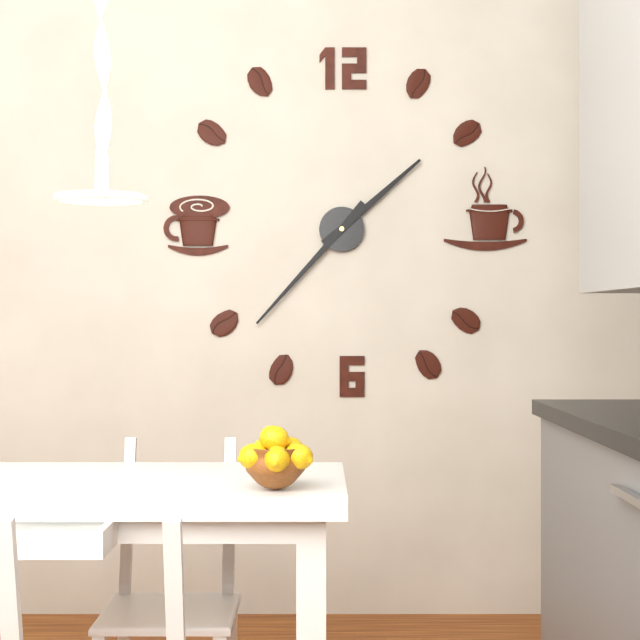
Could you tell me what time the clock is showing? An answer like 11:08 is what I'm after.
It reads 1:37
